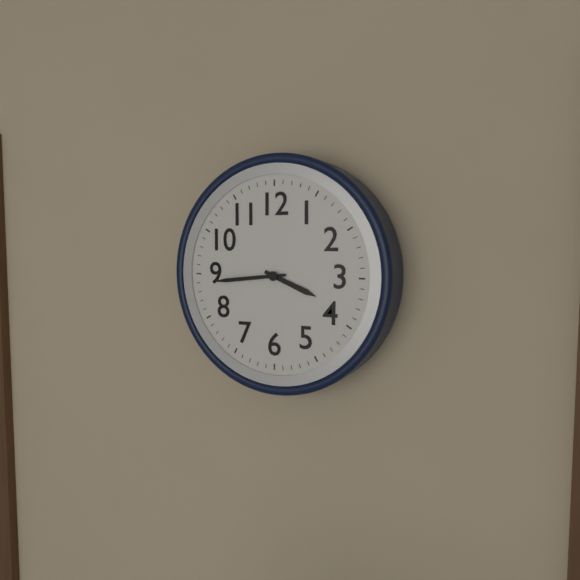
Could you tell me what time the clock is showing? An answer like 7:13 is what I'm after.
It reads 3:44
